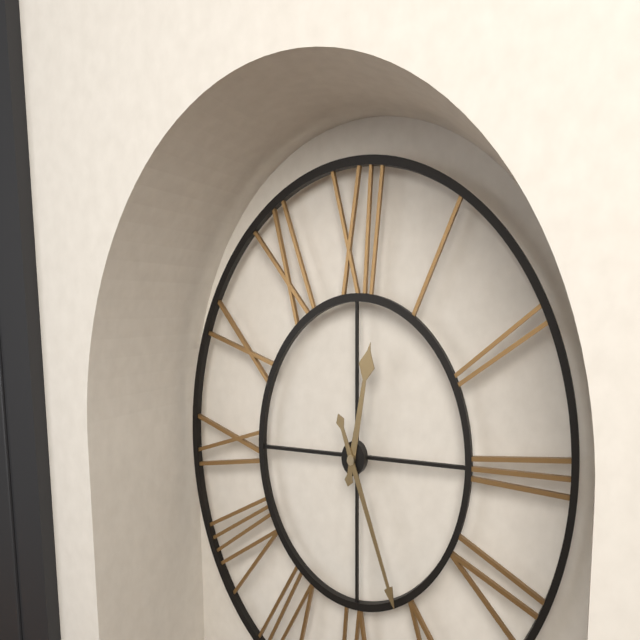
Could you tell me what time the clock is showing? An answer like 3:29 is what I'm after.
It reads 12:26
